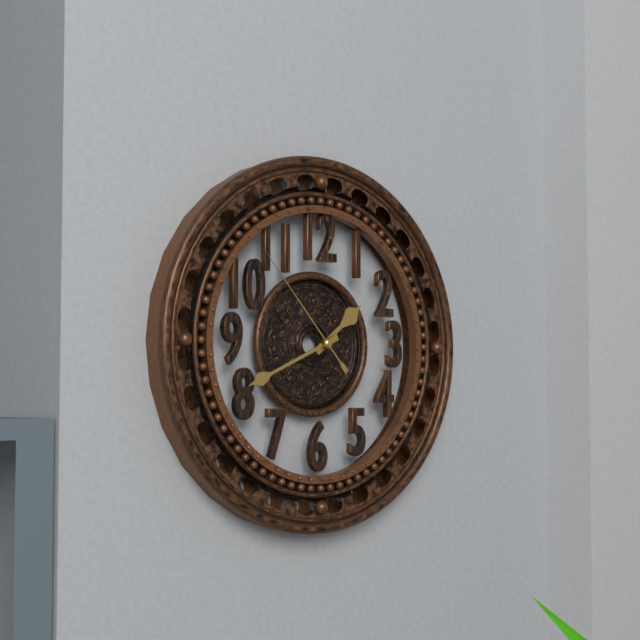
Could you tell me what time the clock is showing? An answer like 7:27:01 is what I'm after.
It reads 1:41:53
